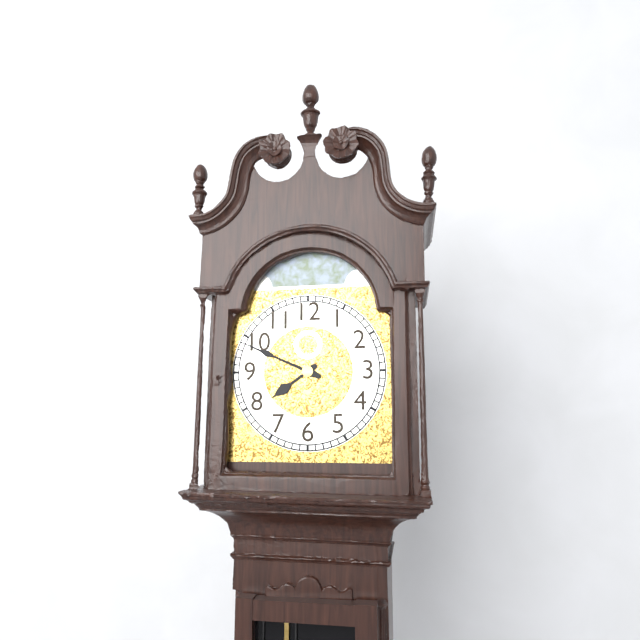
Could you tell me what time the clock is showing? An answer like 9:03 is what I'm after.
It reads 7:49
